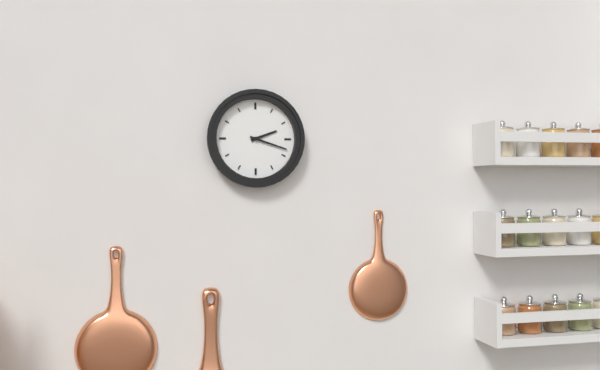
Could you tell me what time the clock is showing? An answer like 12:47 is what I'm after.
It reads 2:18
